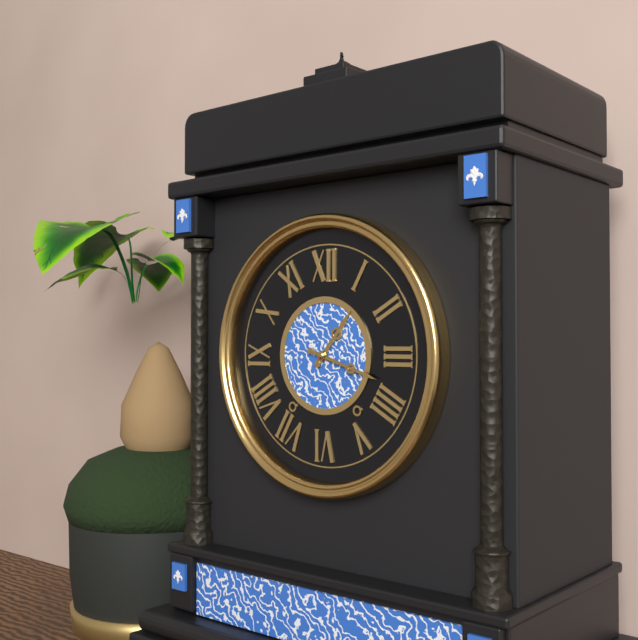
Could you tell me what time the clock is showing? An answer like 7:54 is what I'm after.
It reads 1:18
